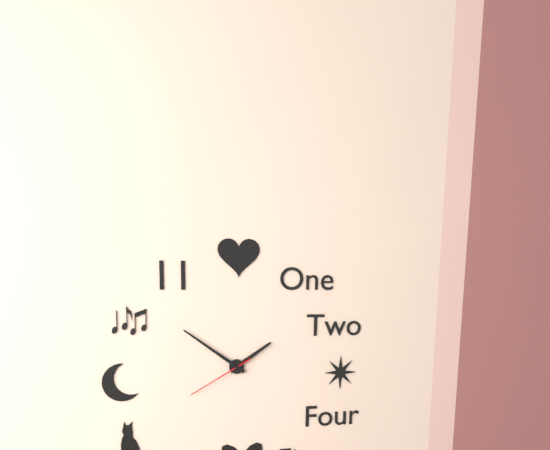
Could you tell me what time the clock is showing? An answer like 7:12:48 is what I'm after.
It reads 1:51:40
